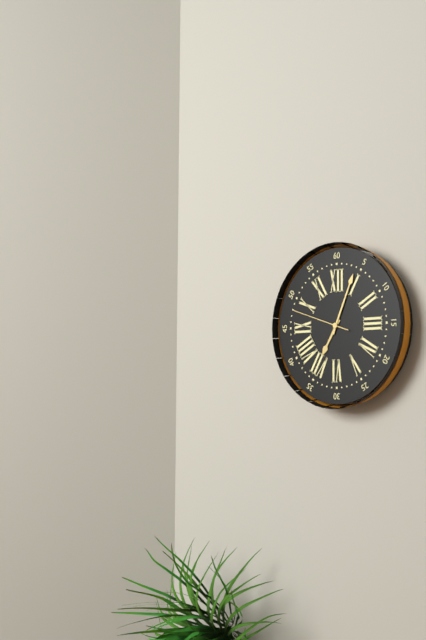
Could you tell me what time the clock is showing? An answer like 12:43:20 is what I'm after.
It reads 7:04:48
